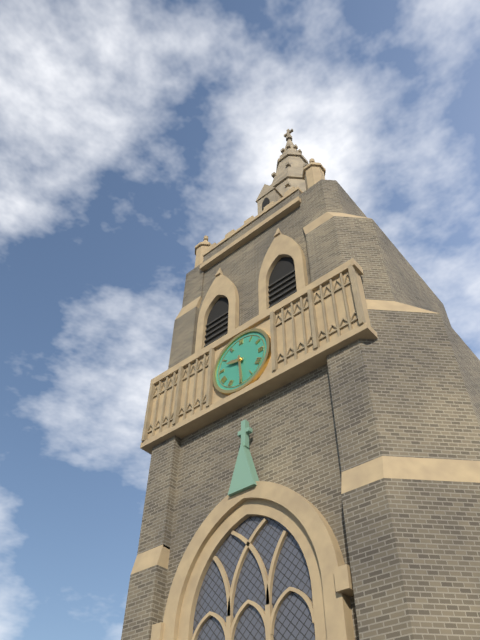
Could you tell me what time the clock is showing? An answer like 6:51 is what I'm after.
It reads 9:29
